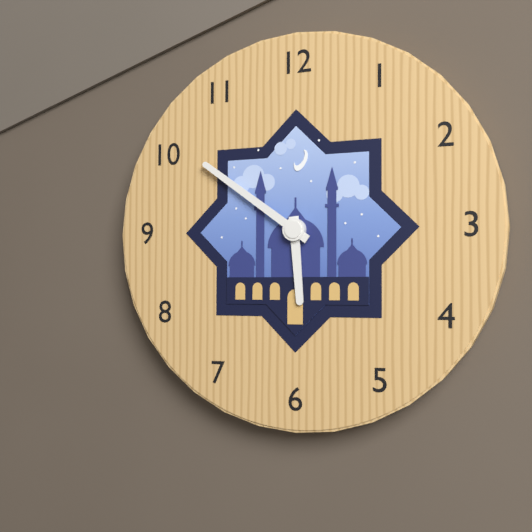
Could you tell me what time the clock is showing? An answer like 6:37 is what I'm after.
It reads 5:51
